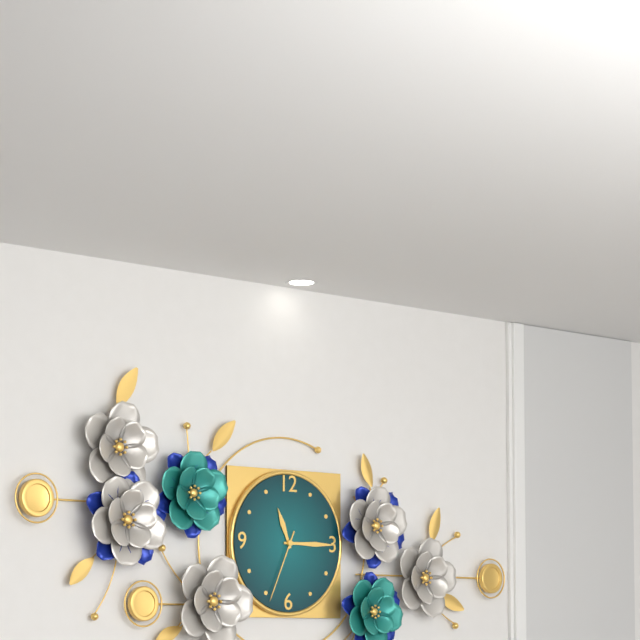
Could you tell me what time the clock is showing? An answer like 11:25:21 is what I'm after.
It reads 11:15:34
